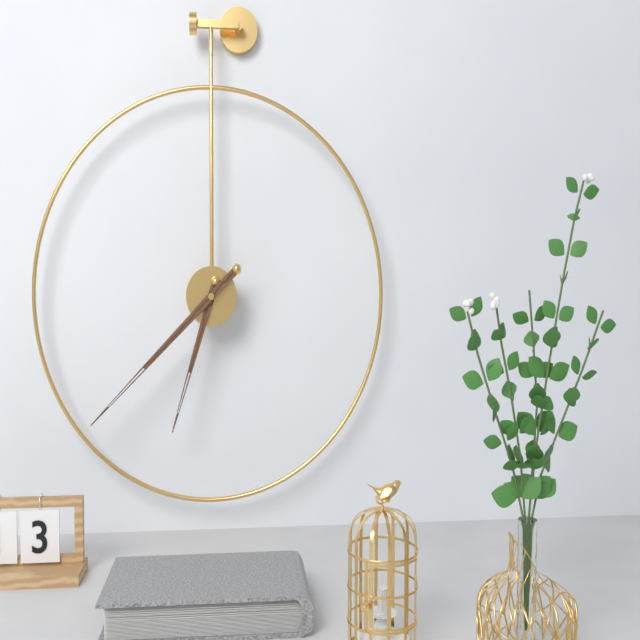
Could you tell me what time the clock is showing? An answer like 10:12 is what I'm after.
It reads 6:38
